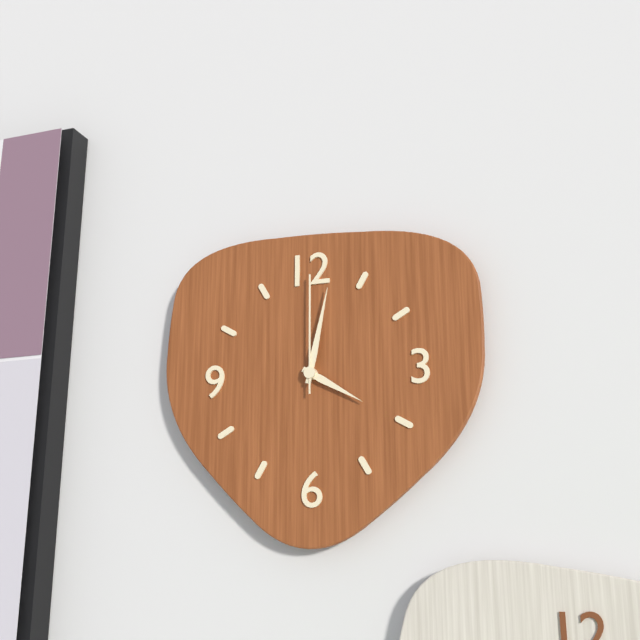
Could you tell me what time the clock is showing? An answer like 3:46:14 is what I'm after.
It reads 4:02:00
